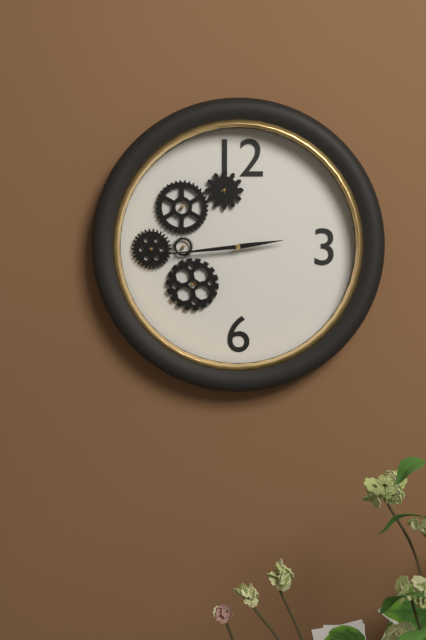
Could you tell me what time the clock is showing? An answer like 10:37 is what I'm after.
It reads 2:44
